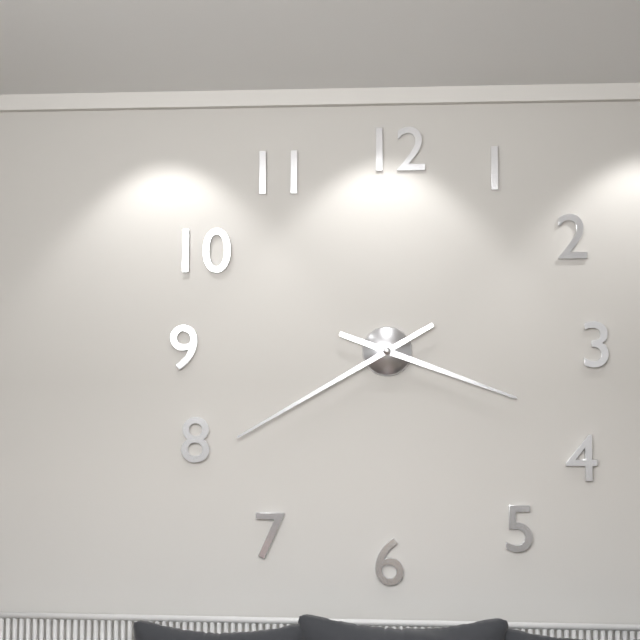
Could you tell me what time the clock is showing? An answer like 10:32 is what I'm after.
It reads 3:40
